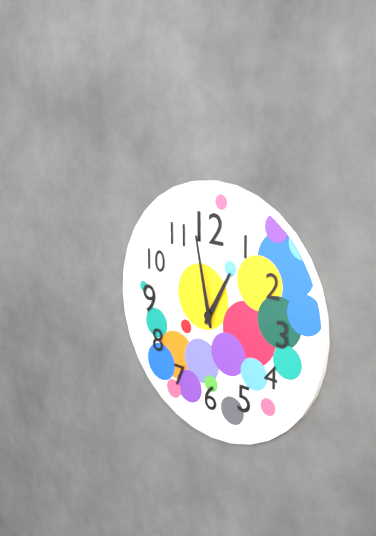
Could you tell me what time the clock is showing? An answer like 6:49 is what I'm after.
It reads 12:58
